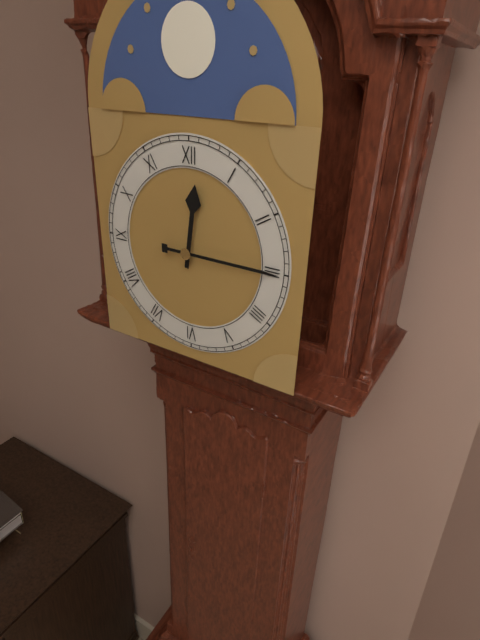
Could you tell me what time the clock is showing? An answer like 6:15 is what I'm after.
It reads 12:15
